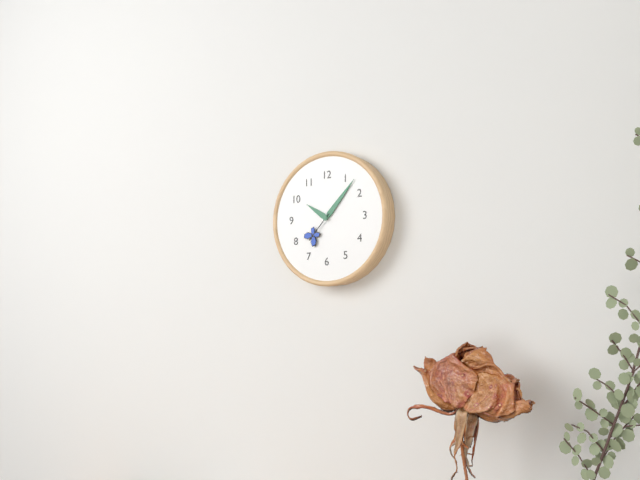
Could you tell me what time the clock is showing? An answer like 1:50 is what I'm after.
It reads 10:07
